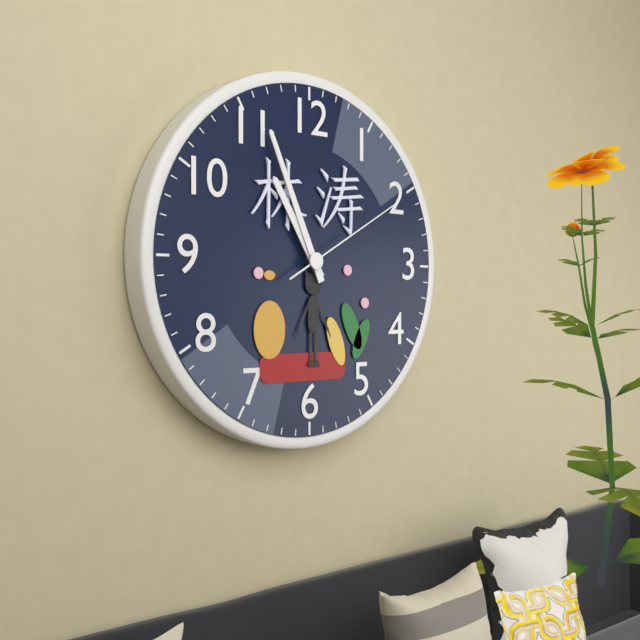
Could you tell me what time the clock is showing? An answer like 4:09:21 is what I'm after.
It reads 10:56:10
